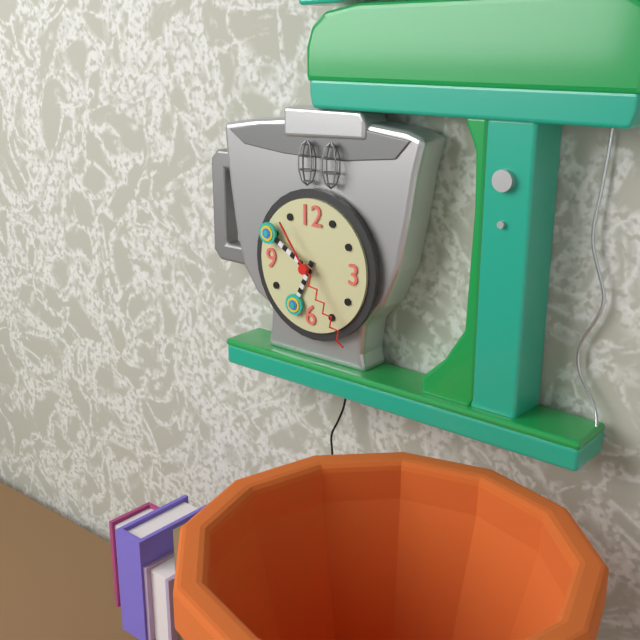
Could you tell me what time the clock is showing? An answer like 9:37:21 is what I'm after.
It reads 6:50:24
